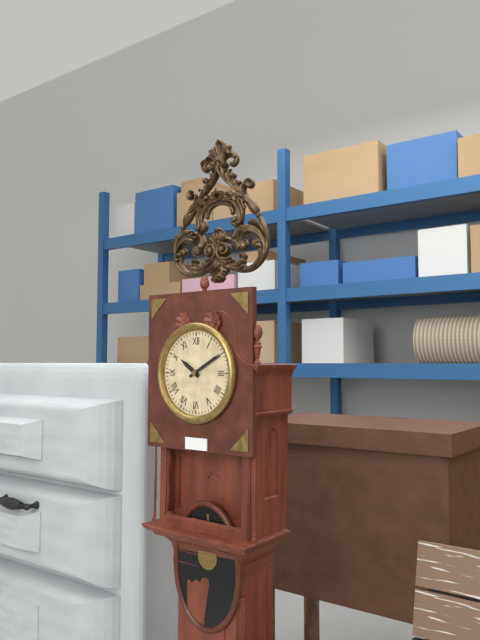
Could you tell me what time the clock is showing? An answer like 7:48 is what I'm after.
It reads 10:10
